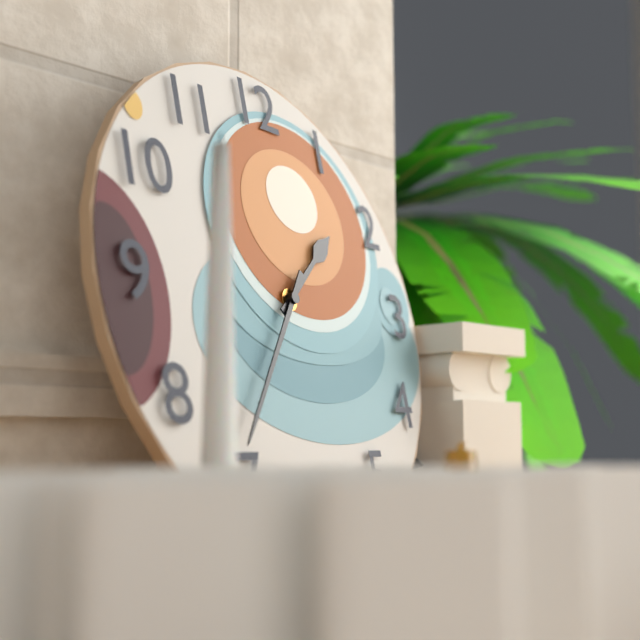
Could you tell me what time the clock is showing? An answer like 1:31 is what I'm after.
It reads 1:36
